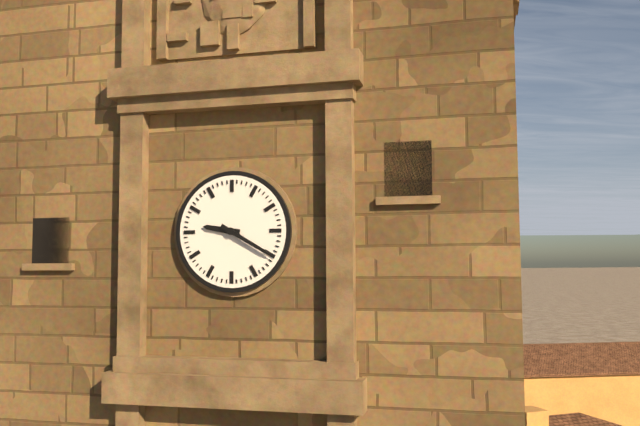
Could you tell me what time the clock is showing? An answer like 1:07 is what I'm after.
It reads 9:20
